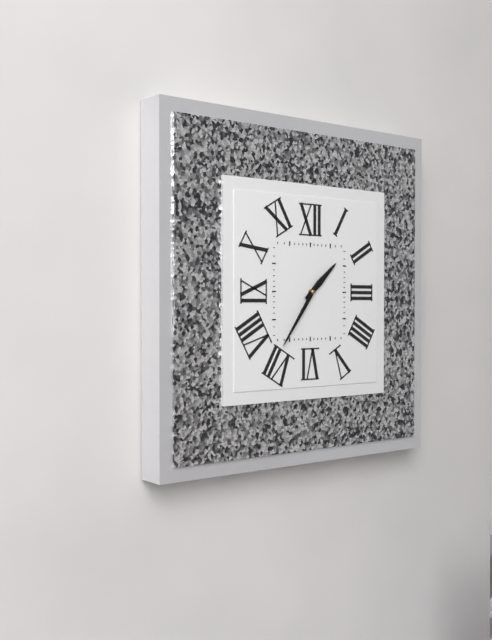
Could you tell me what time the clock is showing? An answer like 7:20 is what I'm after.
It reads 1:36
